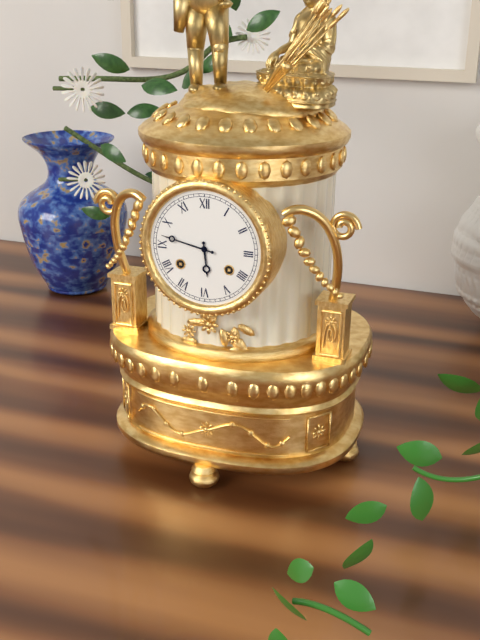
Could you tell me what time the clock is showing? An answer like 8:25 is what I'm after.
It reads 5:47
